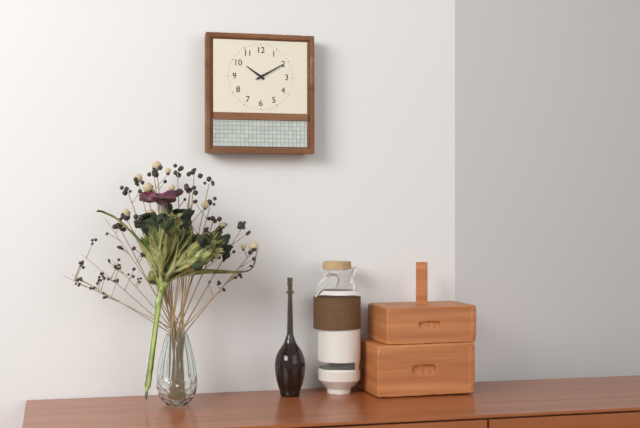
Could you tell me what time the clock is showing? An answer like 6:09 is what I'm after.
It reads 10:10
